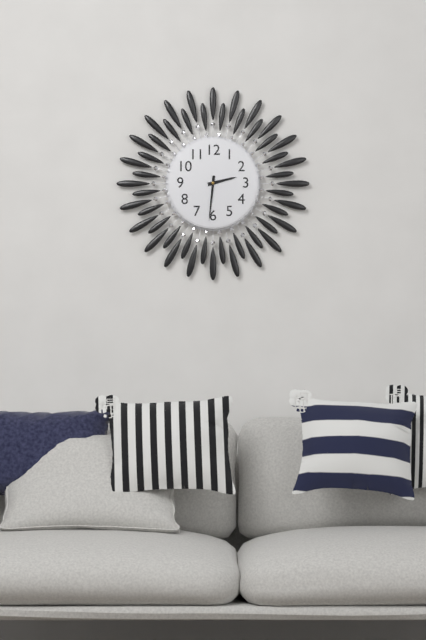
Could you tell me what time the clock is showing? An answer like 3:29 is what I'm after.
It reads 2:31
